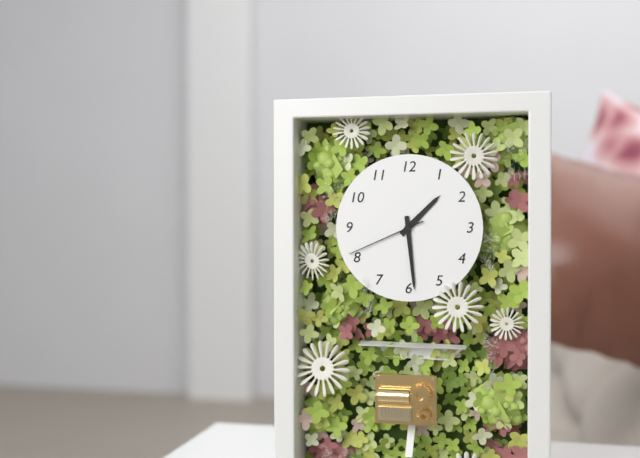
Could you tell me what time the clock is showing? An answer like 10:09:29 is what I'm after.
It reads 1:29:41
